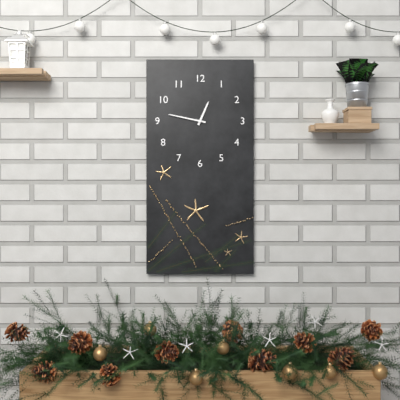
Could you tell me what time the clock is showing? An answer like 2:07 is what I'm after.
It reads 12:47
